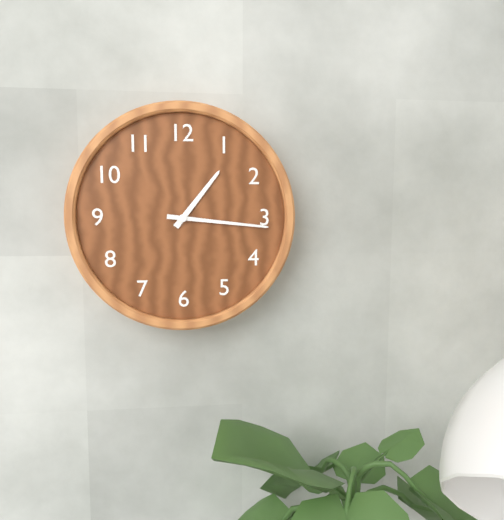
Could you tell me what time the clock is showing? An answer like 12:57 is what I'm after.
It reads 1:16
